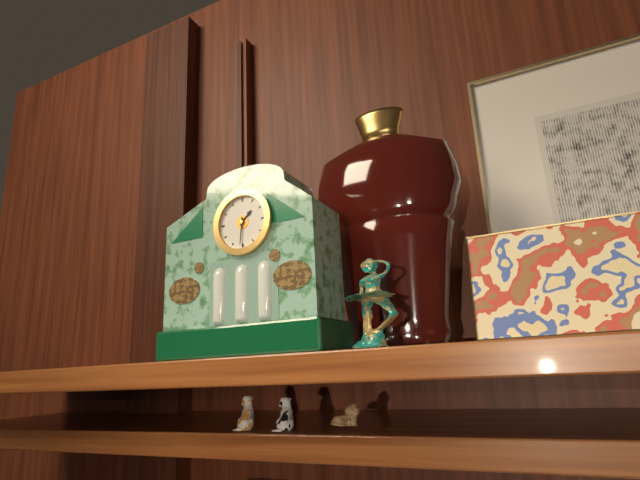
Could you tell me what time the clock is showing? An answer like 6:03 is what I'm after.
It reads 1:31
